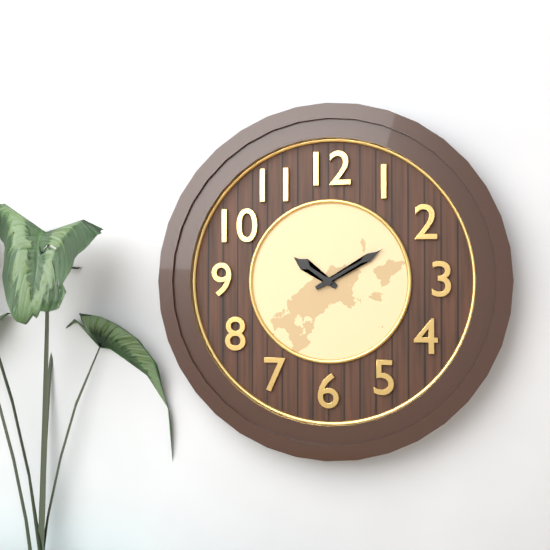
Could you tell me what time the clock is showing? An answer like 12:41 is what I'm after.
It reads 10:10
